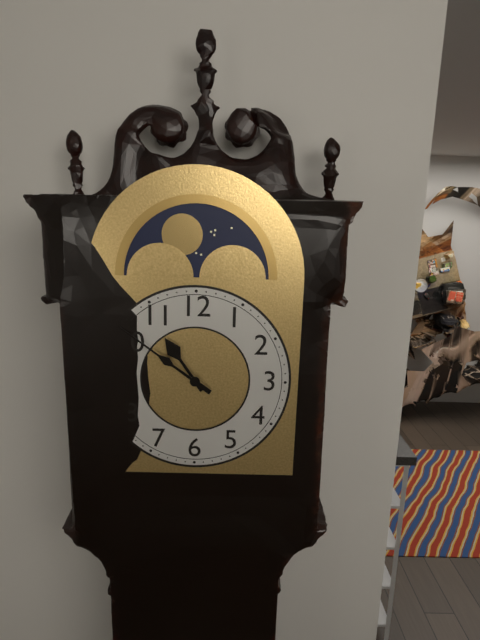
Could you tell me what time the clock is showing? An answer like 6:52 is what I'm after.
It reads 10:51
